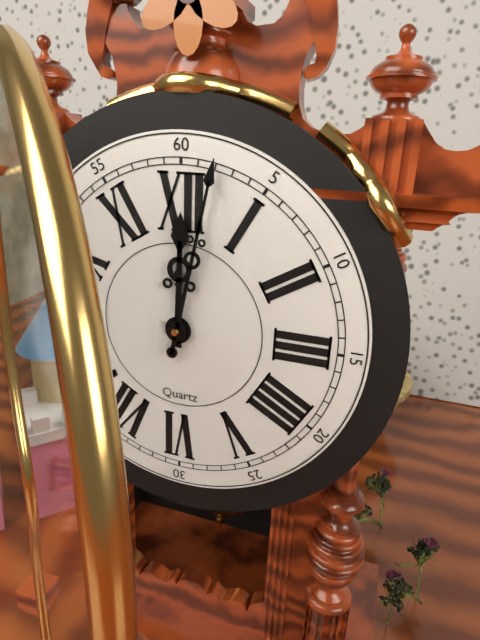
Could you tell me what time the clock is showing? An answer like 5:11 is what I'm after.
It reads 12:02
